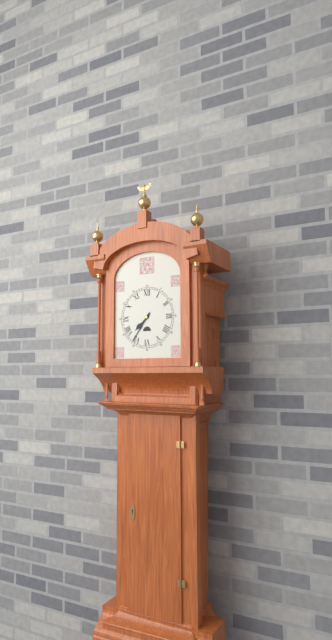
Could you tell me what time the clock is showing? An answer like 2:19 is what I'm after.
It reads 7:36
